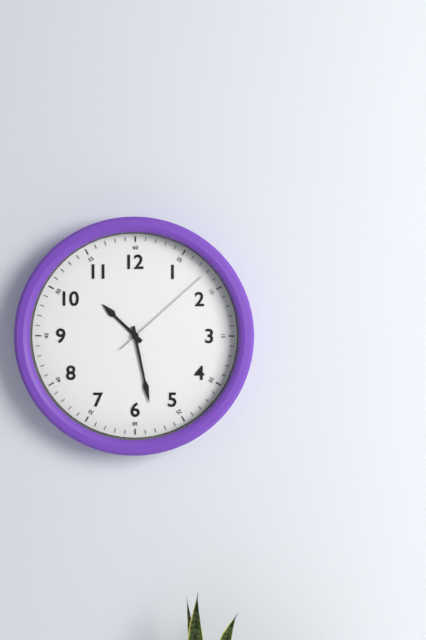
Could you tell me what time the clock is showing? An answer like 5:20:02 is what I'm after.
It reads 10:28:08
